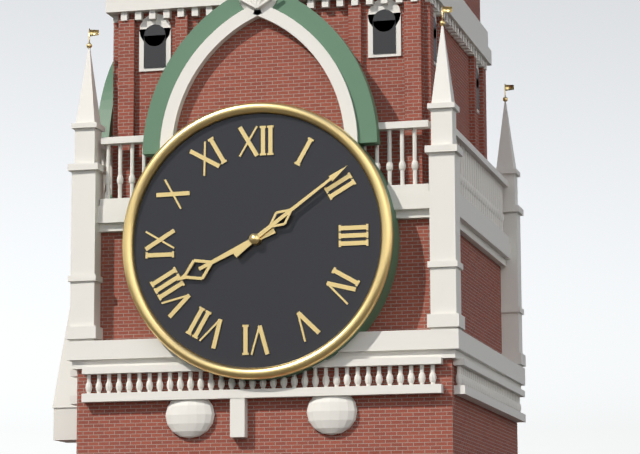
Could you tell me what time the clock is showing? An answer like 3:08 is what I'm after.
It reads 8:09
